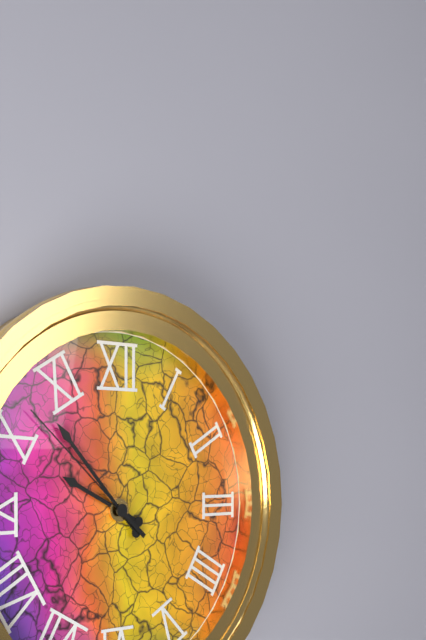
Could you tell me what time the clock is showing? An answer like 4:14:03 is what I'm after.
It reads 9:53:52
